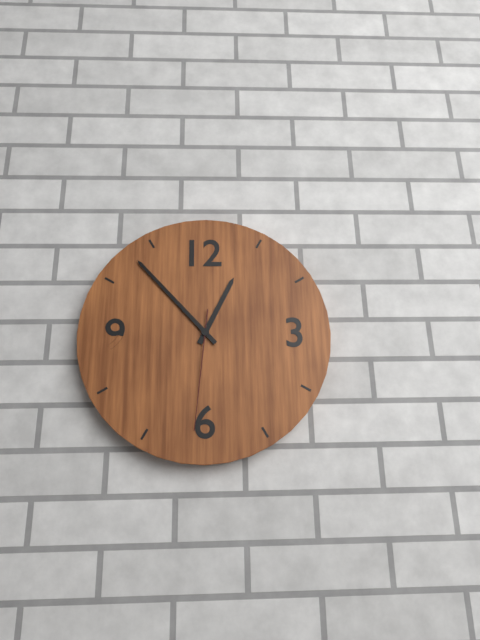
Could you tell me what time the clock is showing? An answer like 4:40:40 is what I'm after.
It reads 12:53:31
